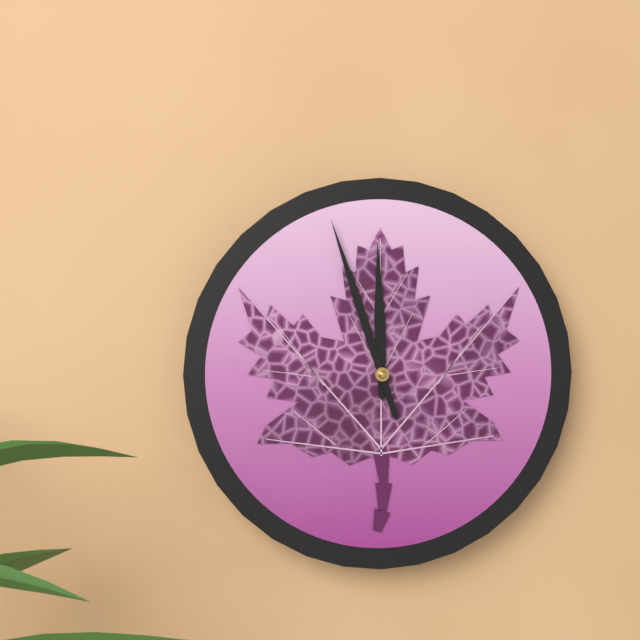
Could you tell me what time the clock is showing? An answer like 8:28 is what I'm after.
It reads 11:57
